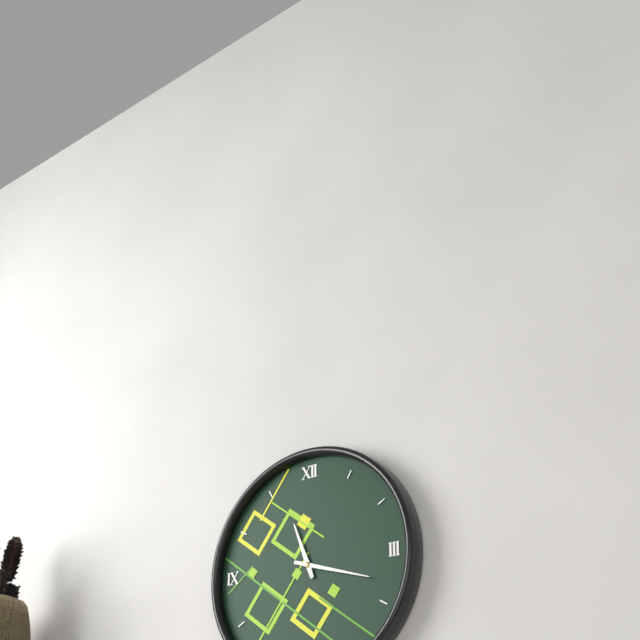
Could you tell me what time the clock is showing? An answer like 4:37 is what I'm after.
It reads 11:18
